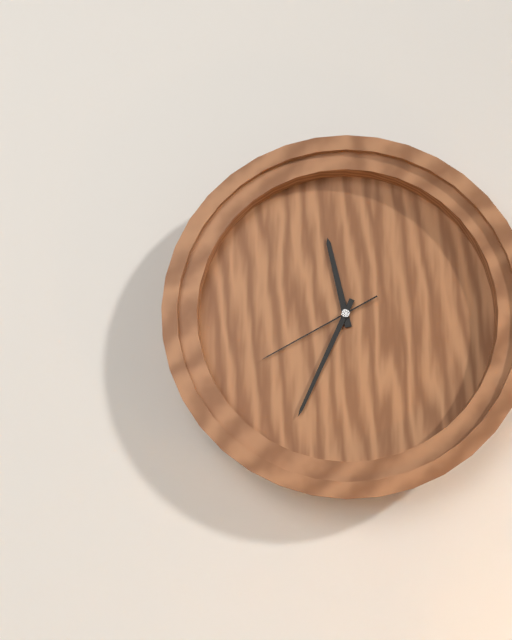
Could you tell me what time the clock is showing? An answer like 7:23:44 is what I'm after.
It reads 11:34:40
